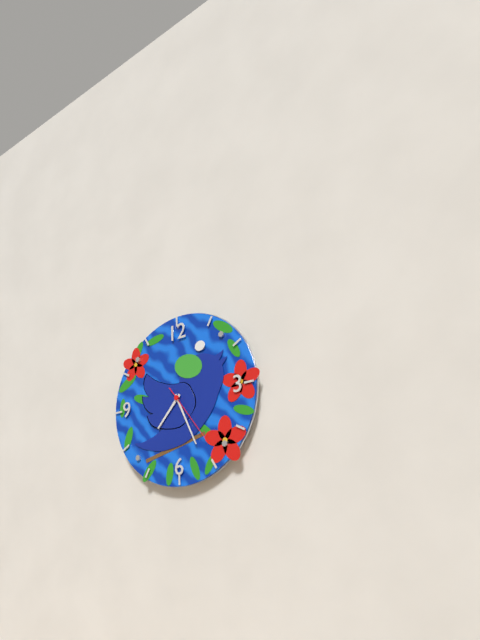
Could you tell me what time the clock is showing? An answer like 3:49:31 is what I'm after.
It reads 7:26:24
